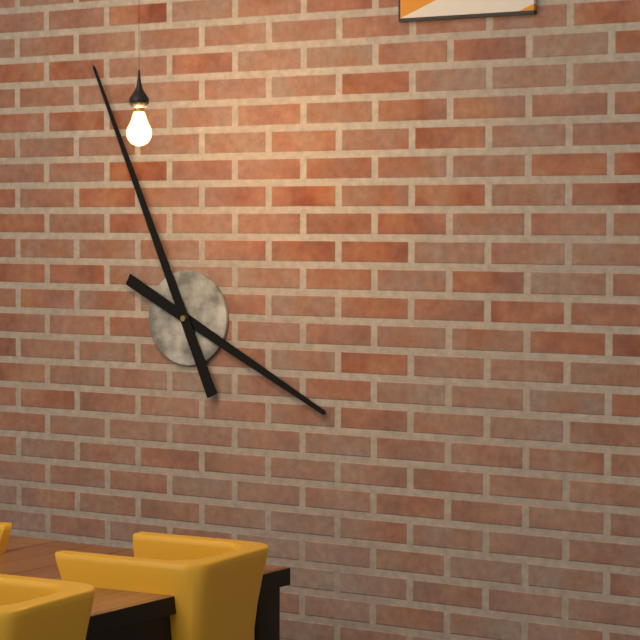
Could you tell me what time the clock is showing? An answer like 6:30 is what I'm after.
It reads 3:56
